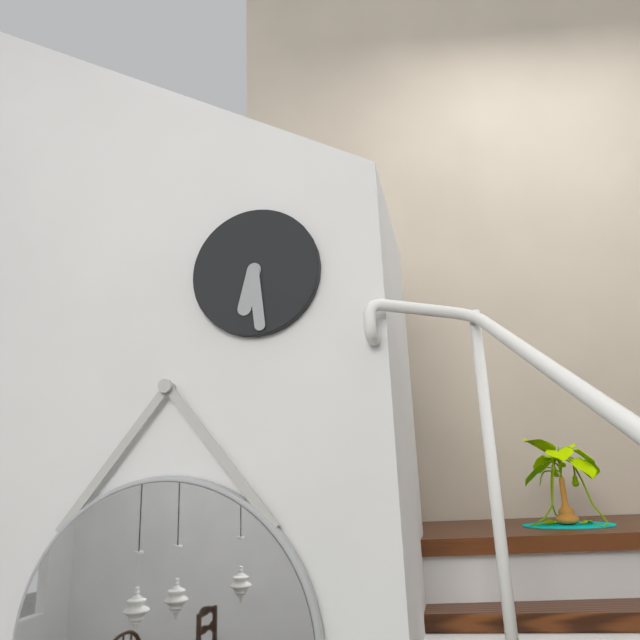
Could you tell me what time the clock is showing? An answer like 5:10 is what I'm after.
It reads 6:29
